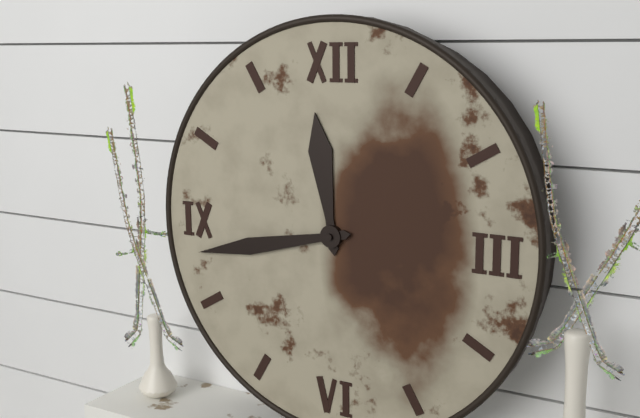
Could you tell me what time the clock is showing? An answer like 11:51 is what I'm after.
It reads 11:43
